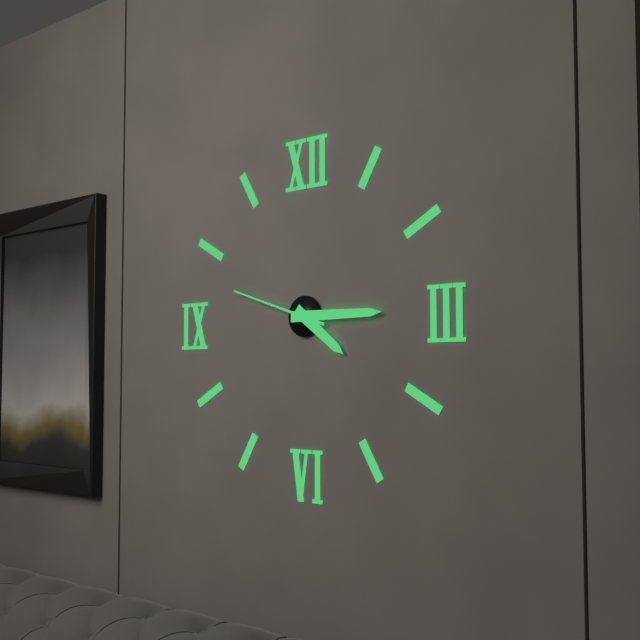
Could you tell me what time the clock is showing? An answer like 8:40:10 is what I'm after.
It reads 4:15:48
